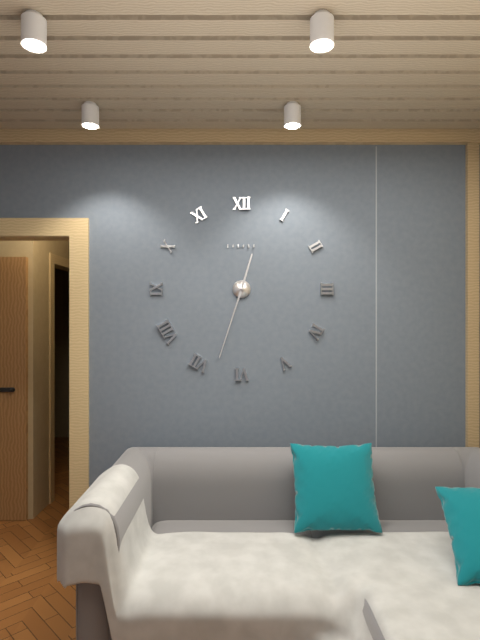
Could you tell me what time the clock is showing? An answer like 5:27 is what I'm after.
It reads 12:33
